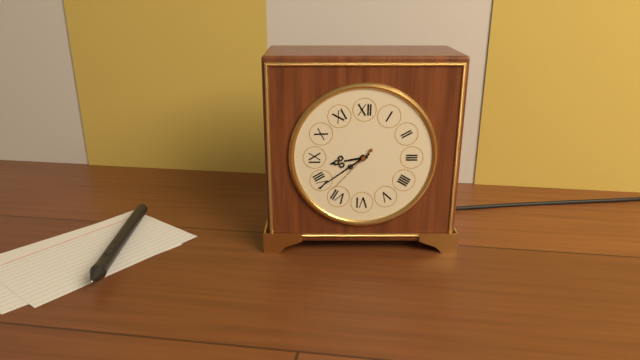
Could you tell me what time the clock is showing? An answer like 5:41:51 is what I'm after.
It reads 8:39:37
